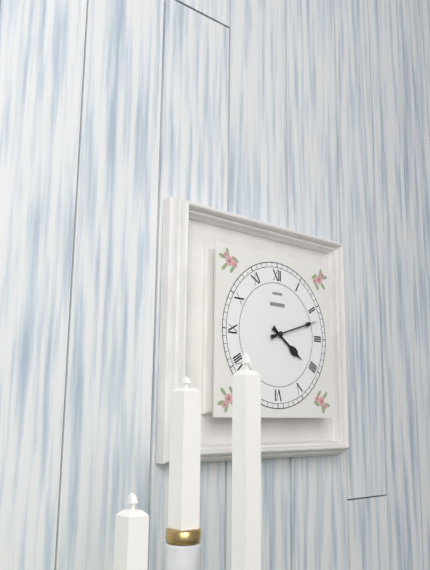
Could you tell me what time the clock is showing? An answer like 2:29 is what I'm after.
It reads 4:12
